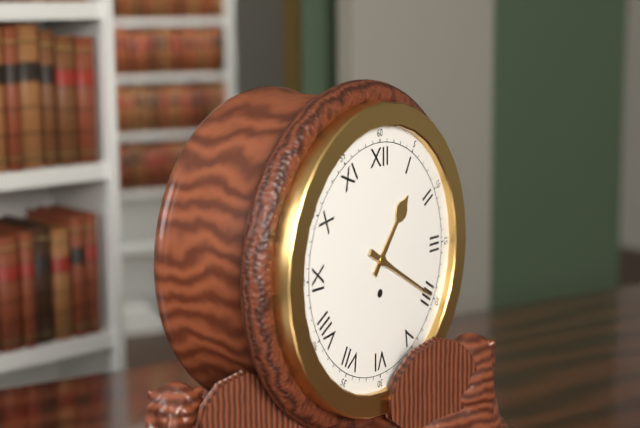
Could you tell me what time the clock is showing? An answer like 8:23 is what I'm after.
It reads 1:20
